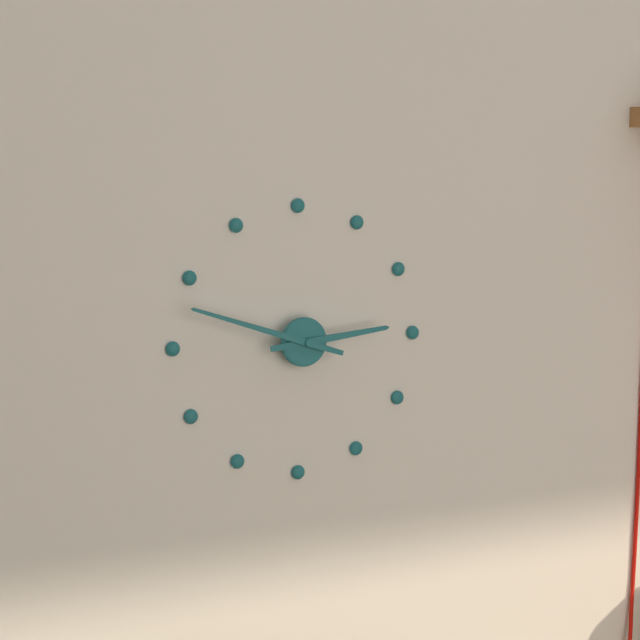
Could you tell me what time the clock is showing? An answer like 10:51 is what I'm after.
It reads 2:48
